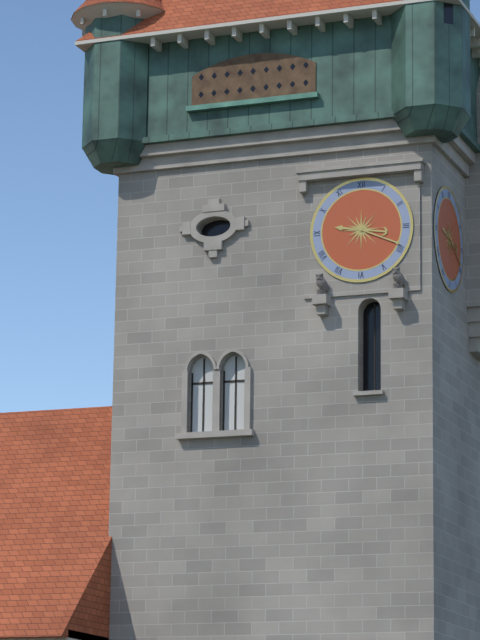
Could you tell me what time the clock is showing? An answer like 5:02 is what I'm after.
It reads 9:19
